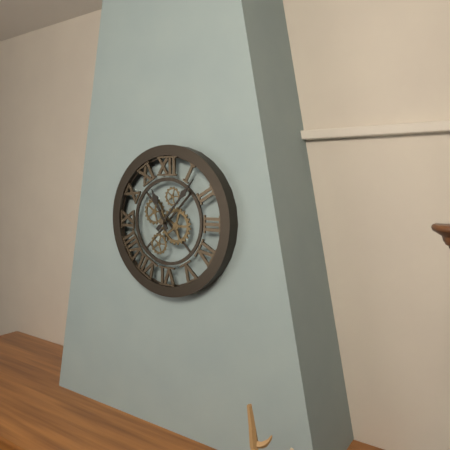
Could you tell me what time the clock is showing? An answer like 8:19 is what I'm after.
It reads 11:07
